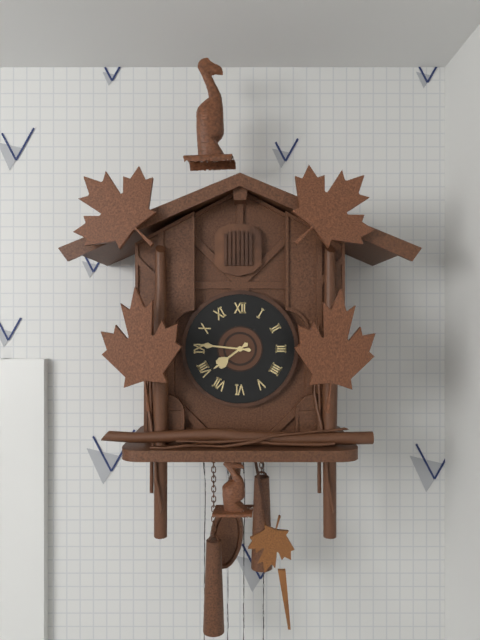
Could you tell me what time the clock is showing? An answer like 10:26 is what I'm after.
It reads 7:46
